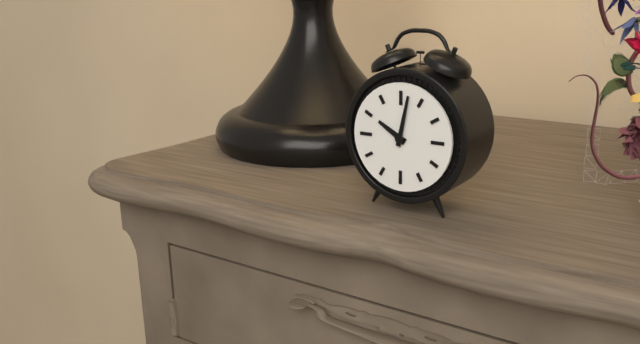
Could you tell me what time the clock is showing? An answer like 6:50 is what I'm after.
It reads 10:02
